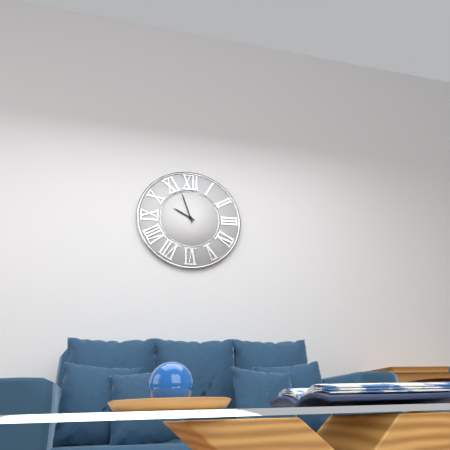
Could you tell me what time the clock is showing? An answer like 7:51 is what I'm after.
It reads 9:57
